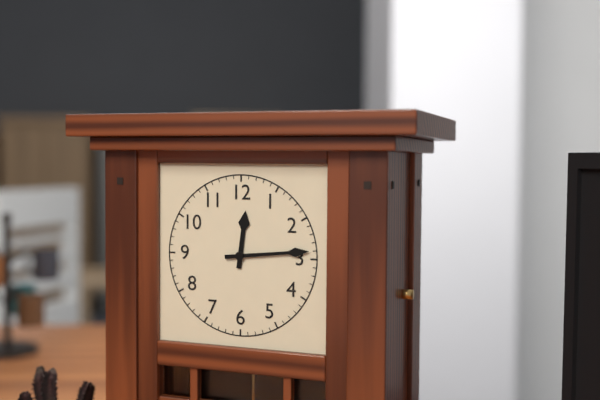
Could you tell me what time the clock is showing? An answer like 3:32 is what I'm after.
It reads 12:14
